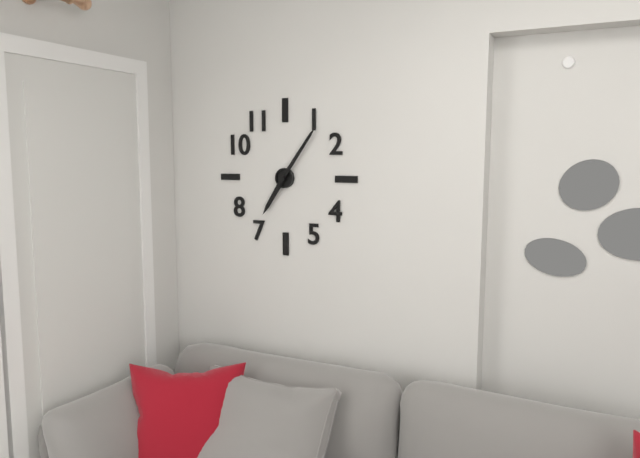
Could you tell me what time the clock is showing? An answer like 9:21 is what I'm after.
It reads 7:06
